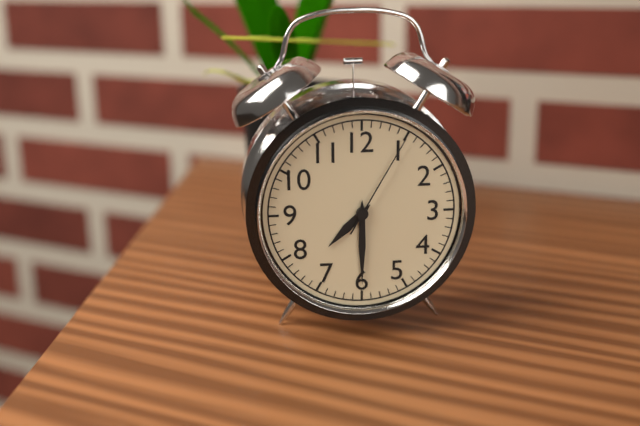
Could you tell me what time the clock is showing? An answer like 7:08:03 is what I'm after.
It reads 7:30:05
